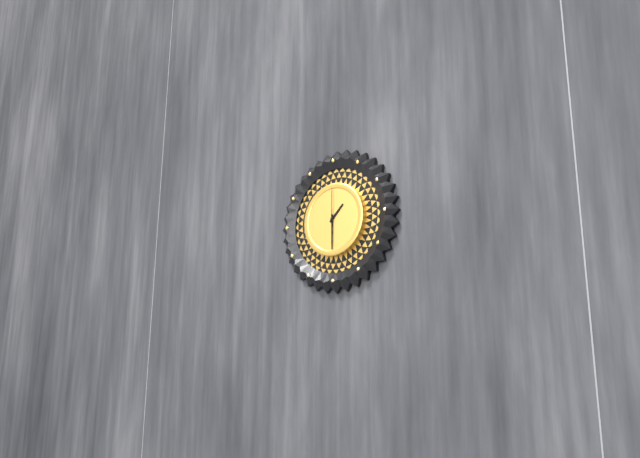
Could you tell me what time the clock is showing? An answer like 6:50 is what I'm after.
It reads 1:30
